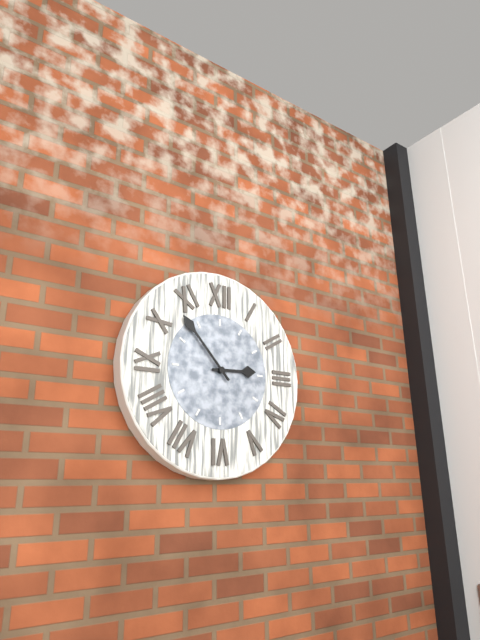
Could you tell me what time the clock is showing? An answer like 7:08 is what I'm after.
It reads 2:53
